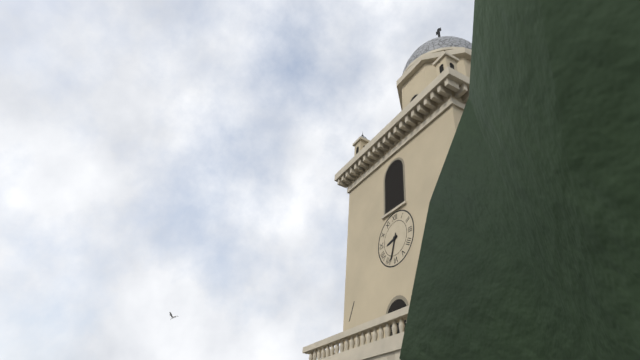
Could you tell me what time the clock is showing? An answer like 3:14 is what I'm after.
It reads 8:33
